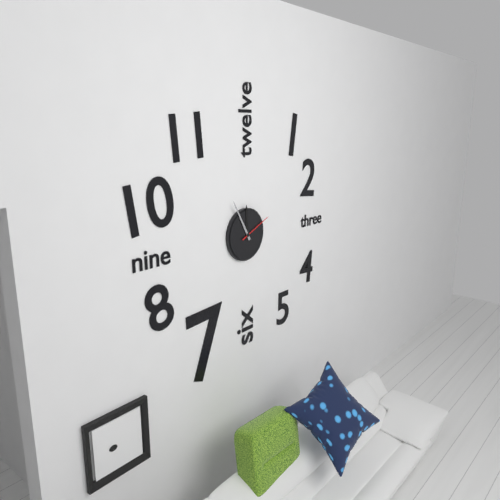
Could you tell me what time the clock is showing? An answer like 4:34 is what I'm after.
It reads 11:55
